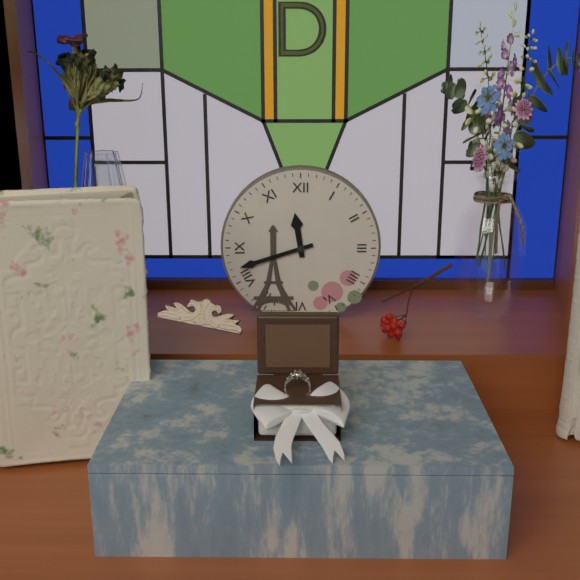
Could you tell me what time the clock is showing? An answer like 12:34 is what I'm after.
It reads 11:42
